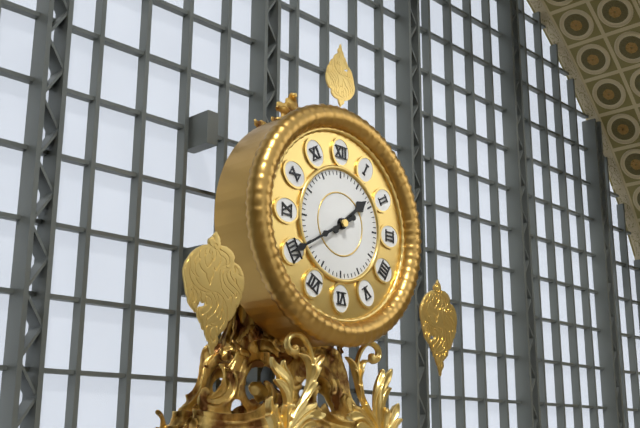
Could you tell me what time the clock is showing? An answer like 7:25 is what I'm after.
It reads 1:40
